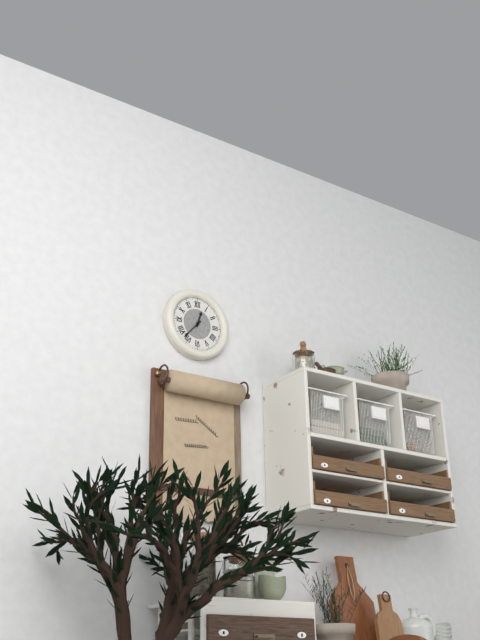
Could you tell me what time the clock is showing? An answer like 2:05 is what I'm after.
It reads 12:37
